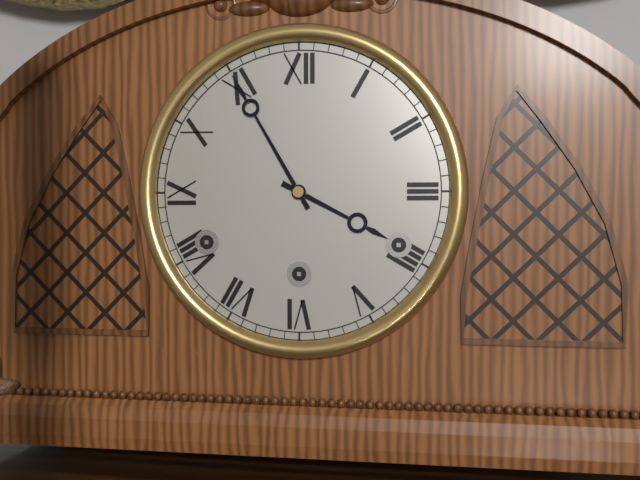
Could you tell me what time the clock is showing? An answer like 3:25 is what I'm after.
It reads 3:55
